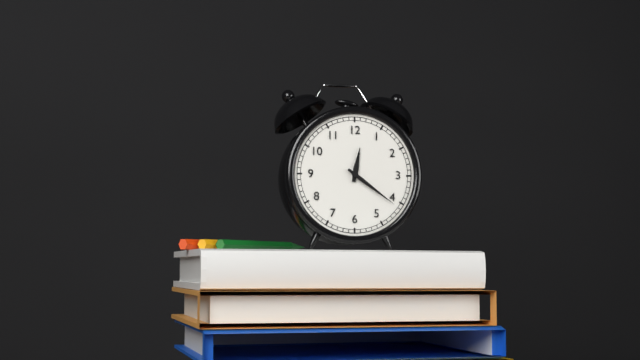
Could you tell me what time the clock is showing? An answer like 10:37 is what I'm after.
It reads 12:21
